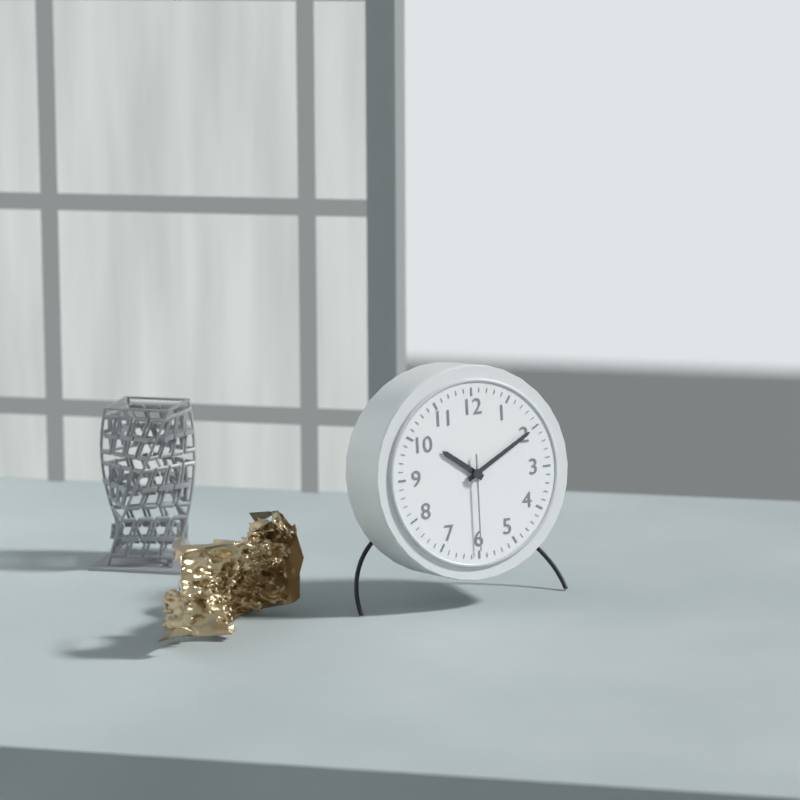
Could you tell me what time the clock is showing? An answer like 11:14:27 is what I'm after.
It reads 10:10:30
